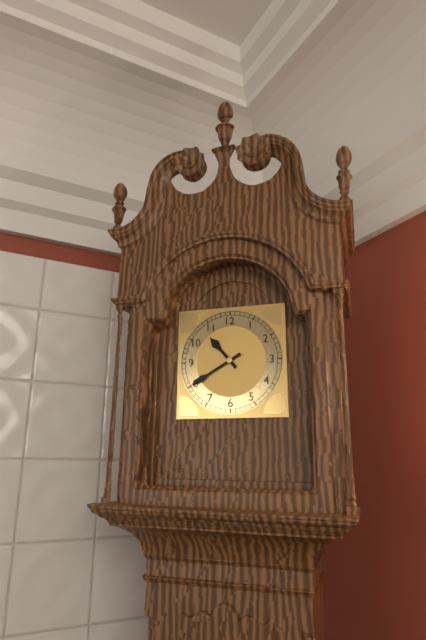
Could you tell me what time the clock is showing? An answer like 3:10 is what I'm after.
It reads 10:40
